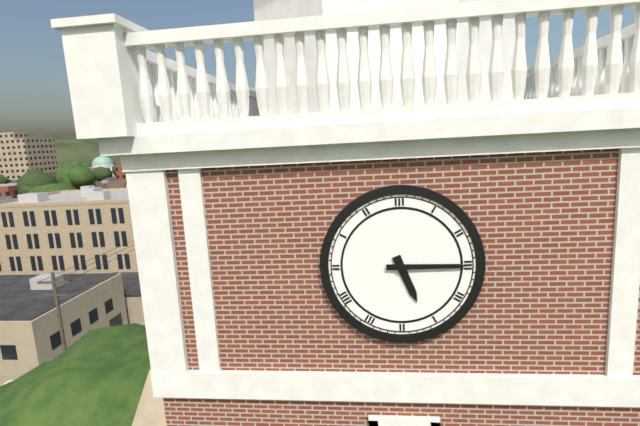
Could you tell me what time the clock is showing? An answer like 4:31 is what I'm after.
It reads 5:15
